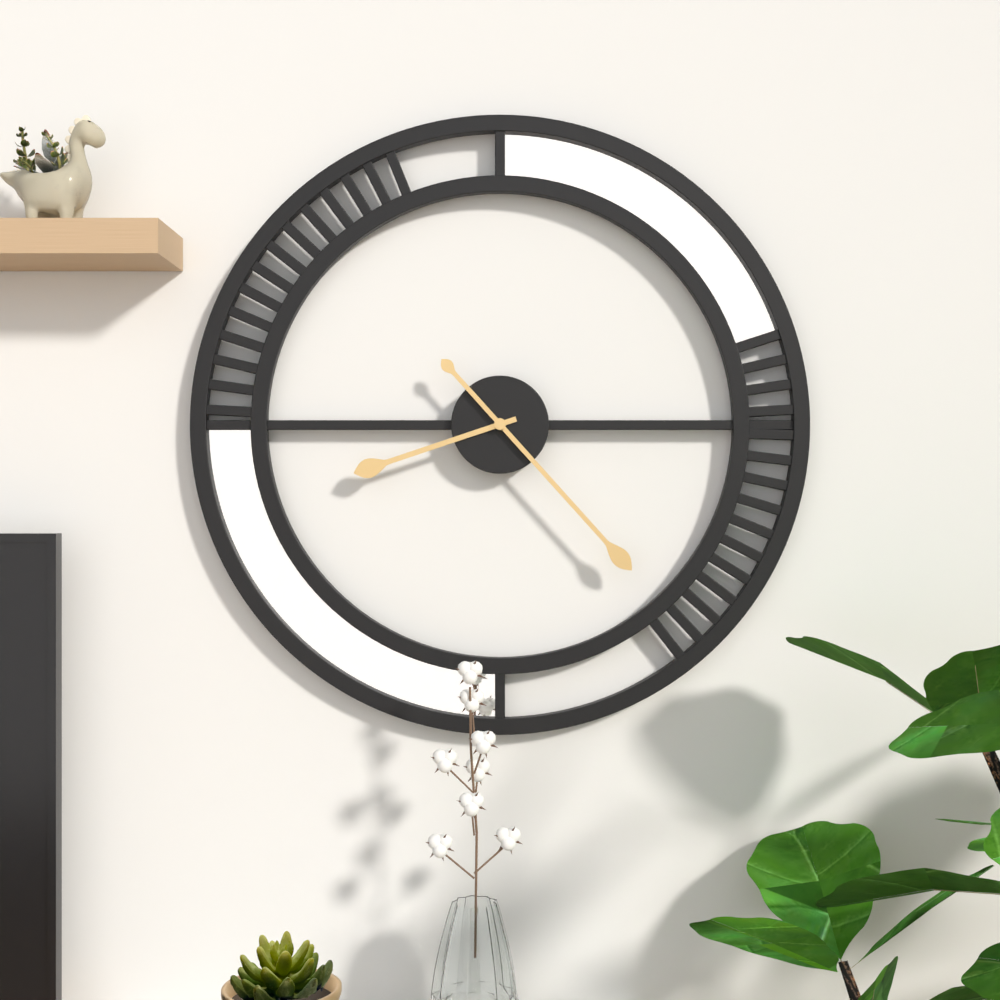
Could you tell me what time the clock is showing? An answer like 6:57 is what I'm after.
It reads 8:23
